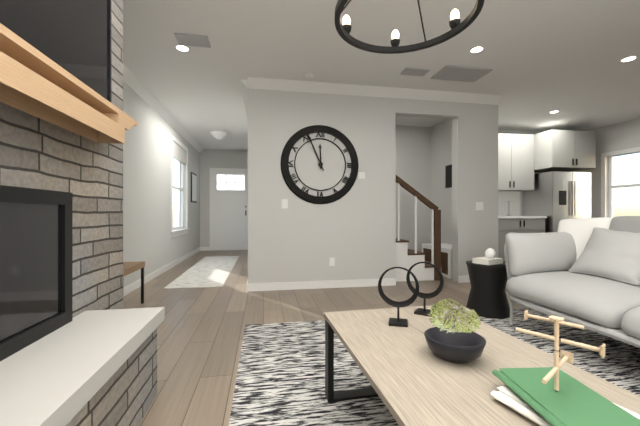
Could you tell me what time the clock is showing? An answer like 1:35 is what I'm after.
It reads 11:56
